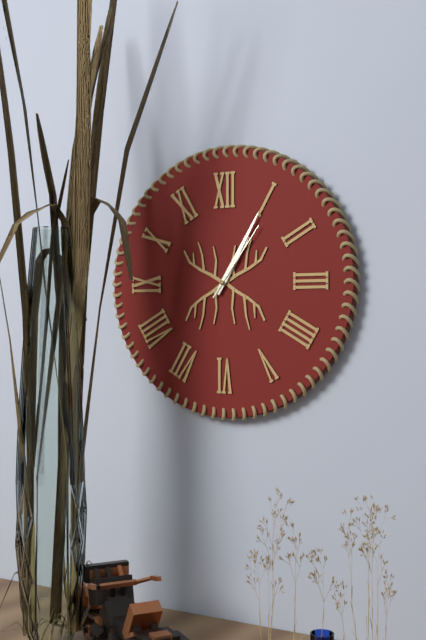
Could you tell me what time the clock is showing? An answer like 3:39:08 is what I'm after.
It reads 1:05:06
